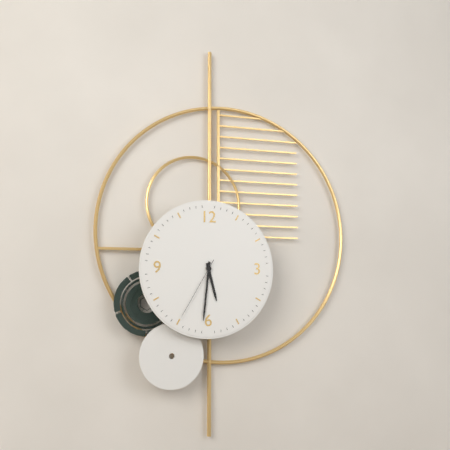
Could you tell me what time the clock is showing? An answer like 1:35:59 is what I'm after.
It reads 5:31:35
